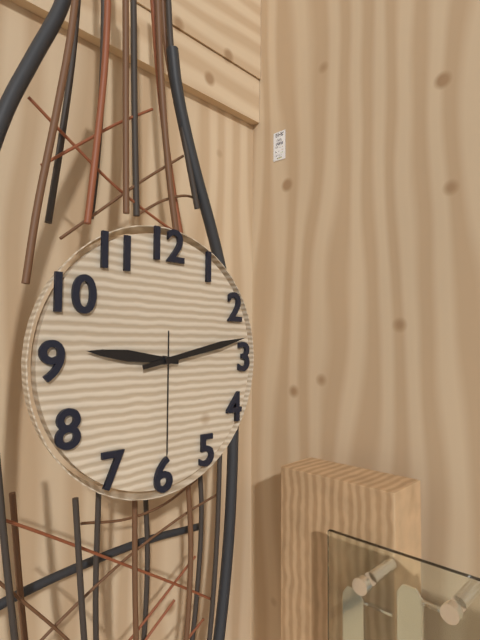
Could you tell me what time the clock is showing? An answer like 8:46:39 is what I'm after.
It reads 9:13:30
